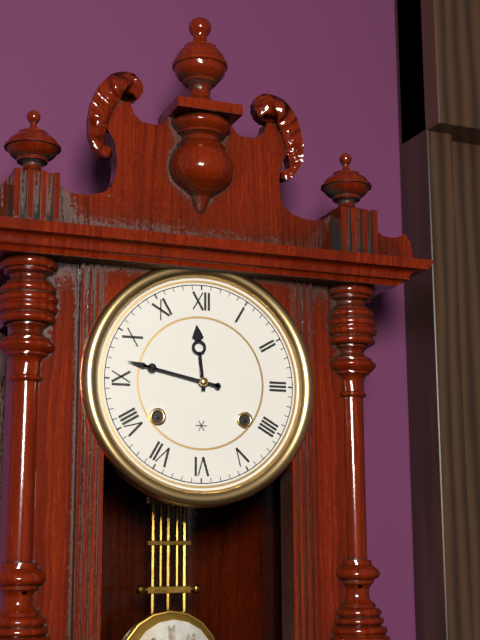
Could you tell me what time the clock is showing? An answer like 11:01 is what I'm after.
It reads 11:47
